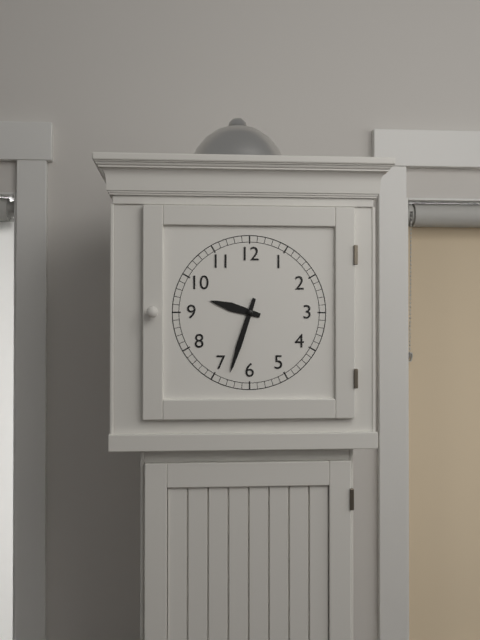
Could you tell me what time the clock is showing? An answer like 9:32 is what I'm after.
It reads 9:33
